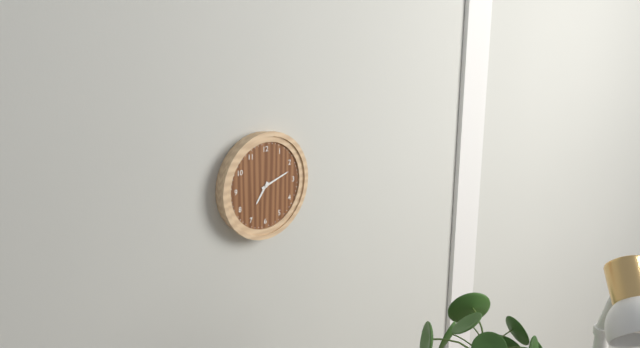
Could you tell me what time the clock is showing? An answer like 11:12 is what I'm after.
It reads 7:12
